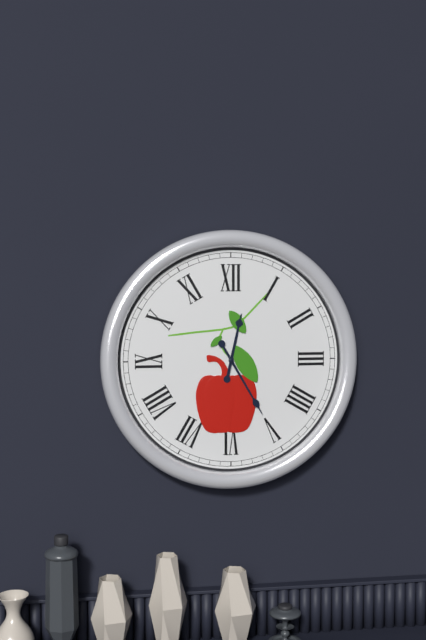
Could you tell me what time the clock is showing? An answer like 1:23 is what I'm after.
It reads 12:25
